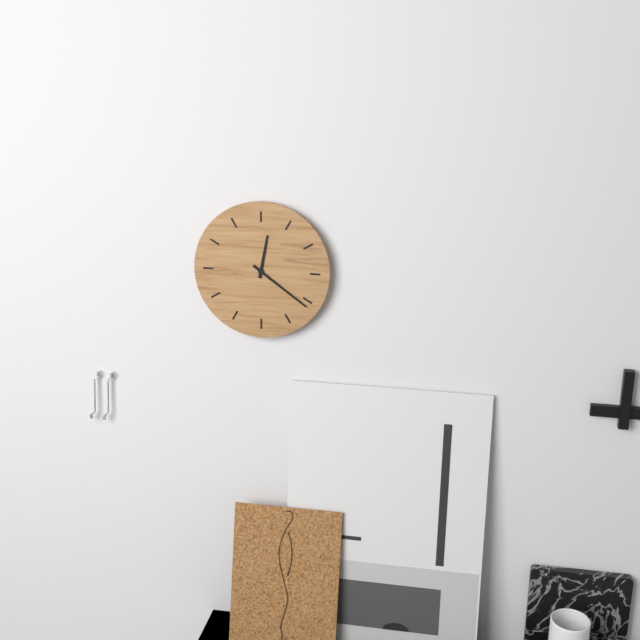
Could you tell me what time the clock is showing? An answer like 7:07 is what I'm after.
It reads 12:21
